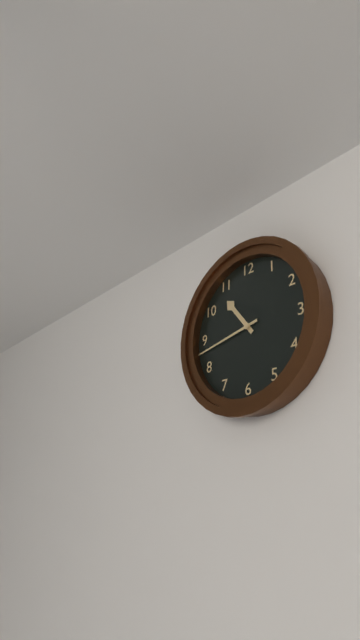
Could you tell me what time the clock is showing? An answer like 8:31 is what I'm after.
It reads 10:43
